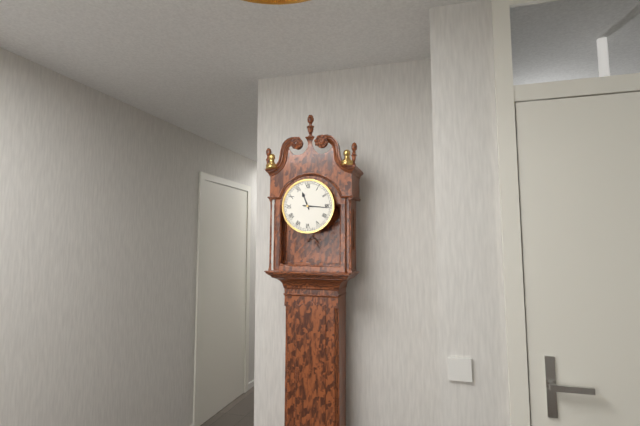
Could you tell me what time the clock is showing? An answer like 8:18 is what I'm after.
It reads 11:16
